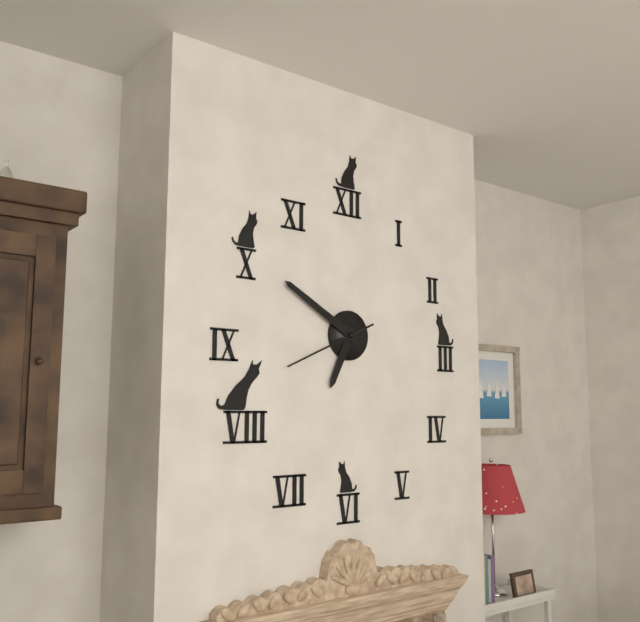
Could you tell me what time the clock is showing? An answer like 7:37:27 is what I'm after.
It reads 6:50:41
